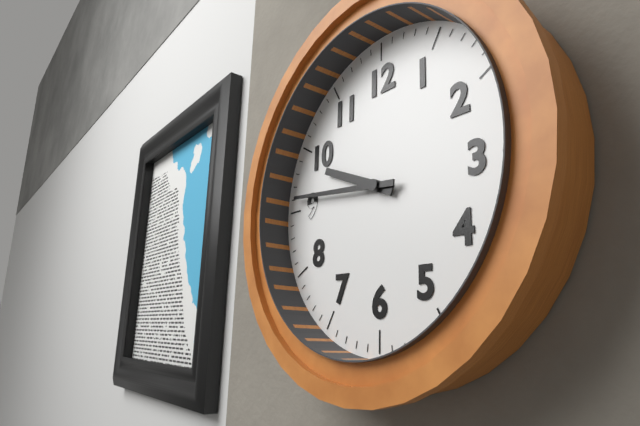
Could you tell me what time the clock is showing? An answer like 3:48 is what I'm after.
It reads 9:46
